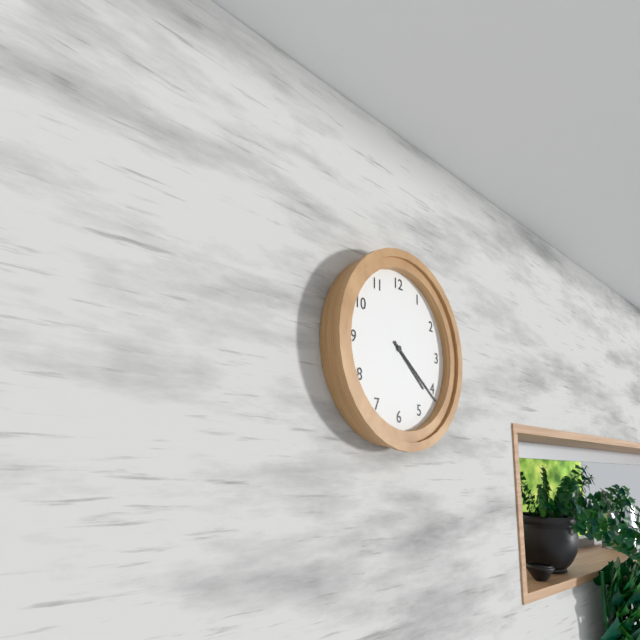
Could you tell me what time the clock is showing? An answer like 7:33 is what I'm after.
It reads 4:21
